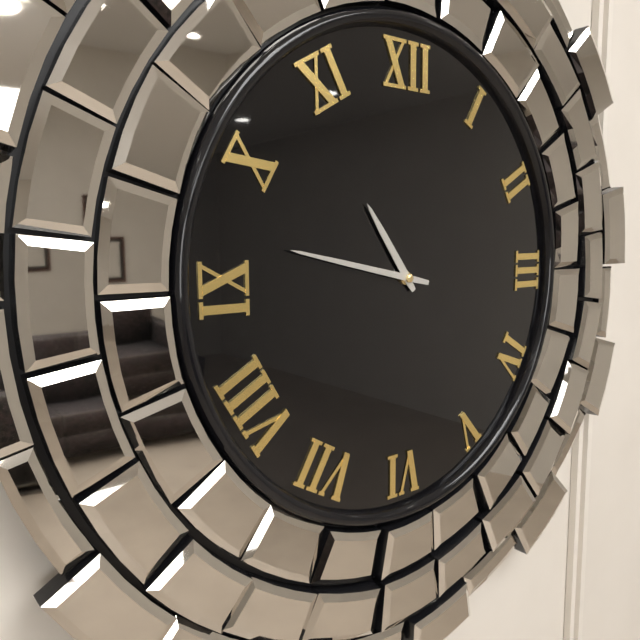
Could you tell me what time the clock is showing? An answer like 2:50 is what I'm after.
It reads 10:47
